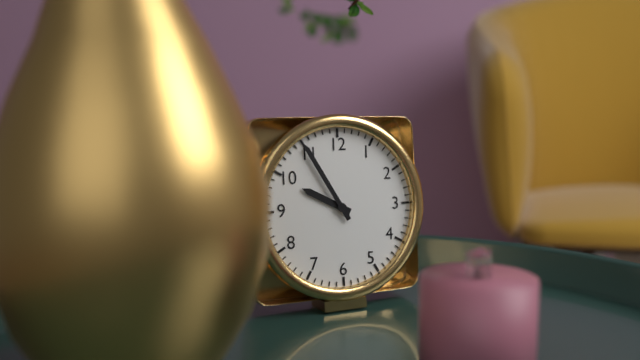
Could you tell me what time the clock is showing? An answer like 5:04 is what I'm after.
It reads 9:55
